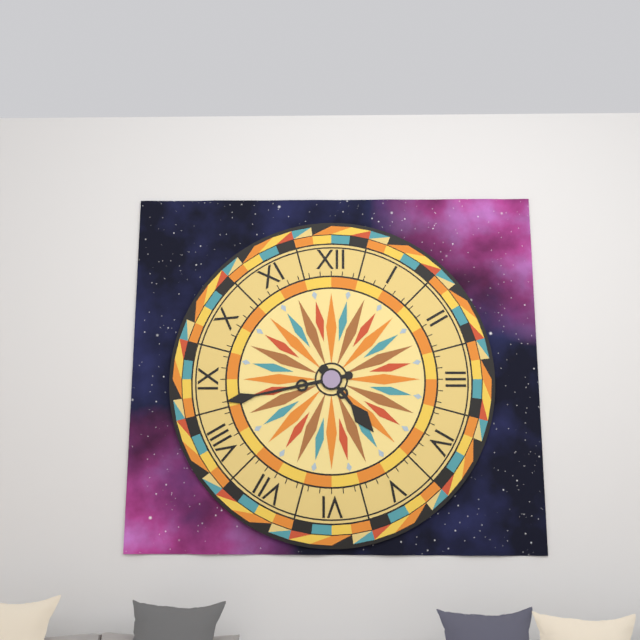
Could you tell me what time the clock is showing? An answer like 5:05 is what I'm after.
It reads 4:43
